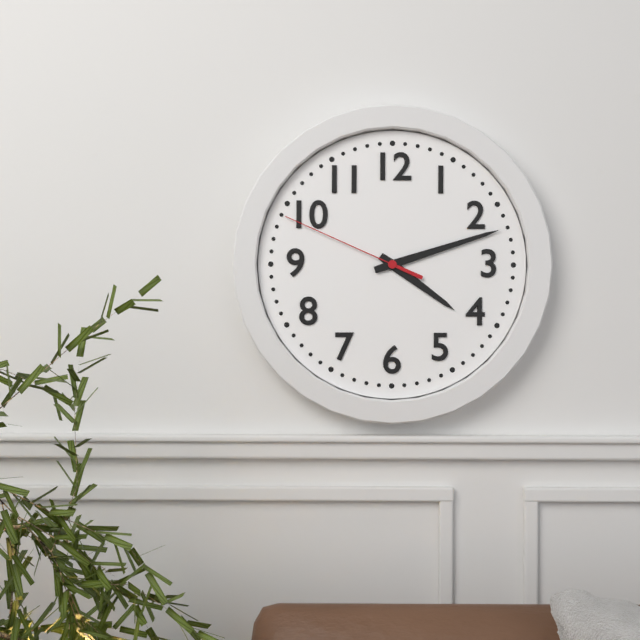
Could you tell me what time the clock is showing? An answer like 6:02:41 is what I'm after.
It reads 4:12:49
